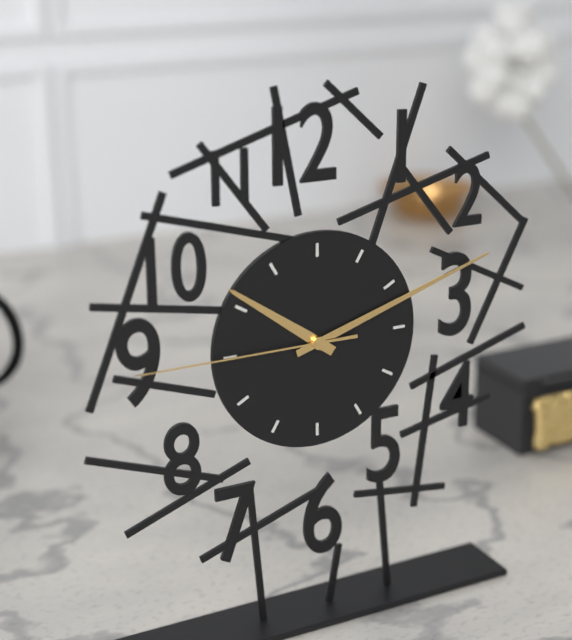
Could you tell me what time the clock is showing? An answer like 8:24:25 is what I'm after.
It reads 10:12:45
